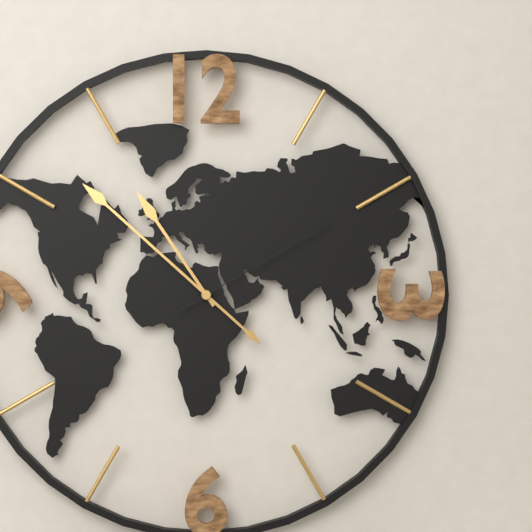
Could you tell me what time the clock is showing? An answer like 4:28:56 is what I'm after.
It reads 10:52:10
